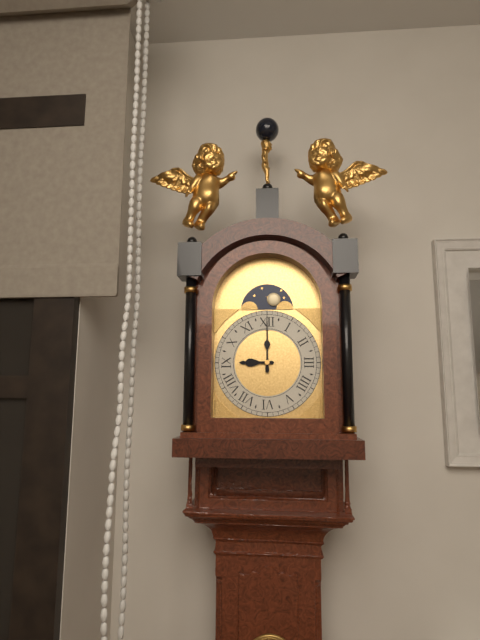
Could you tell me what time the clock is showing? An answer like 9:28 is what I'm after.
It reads 9:00
